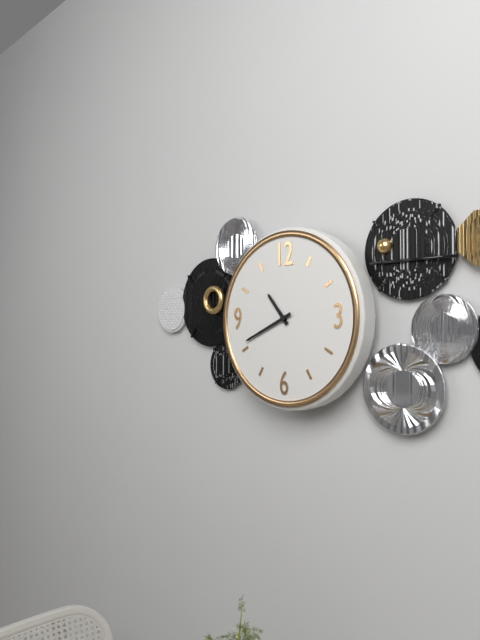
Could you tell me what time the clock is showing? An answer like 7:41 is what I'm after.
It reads 10:41
